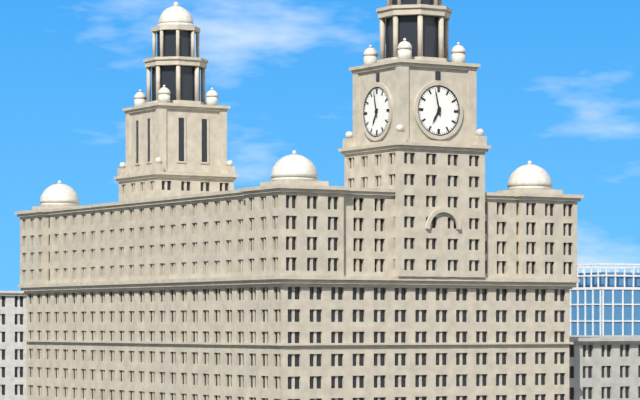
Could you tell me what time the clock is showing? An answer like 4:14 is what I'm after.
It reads 6:58
